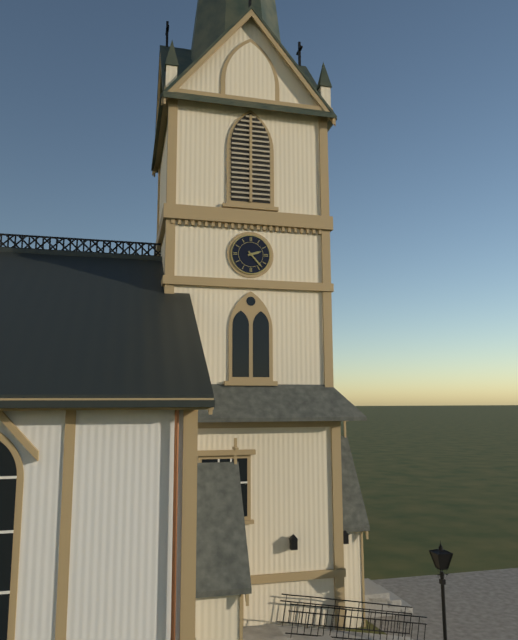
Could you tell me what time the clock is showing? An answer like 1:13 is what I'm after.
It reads 2:23
